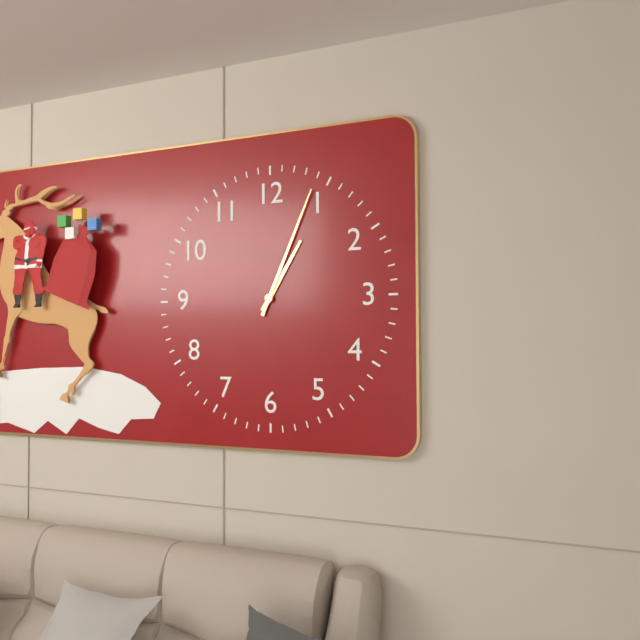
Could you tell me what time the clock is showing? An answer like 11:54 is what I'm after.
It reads 1:04
